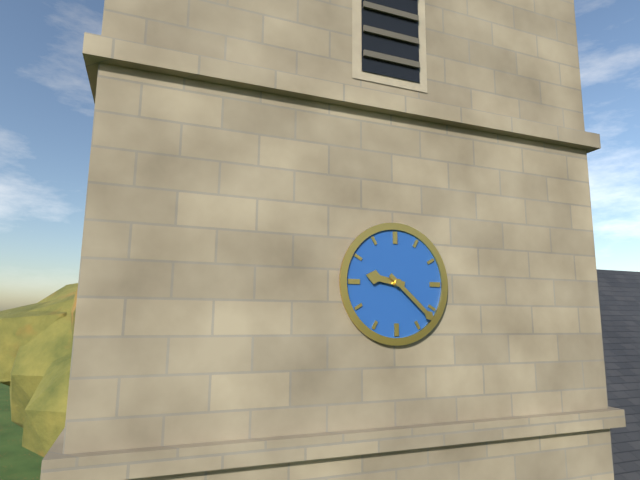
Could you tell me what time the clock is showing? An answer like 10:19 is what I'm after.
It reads 9:22
